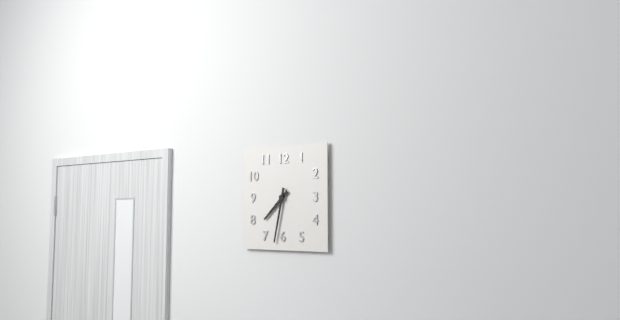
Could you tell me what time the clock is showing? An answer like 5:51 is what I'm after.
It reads 7:32
